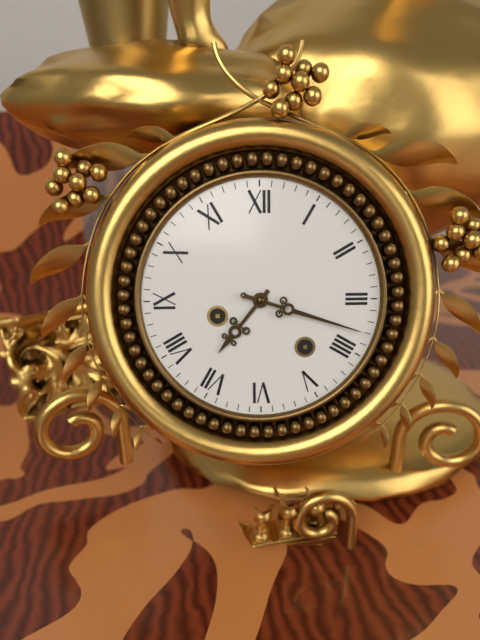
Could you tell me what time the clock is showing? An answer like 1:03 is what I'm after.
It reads 7:18
